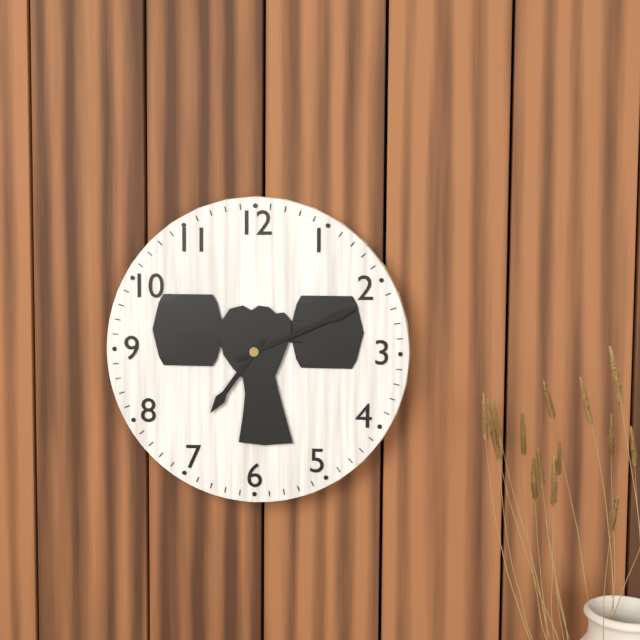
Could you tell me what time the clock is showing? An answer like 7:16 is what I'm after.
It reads 7:11
